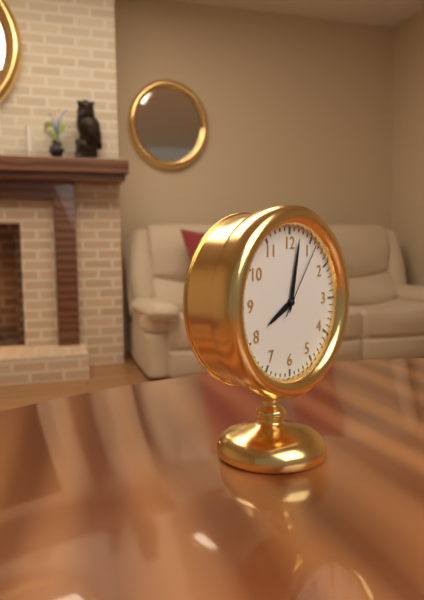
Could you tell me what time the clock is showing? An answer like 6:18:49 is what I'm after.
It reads 8:02:06
